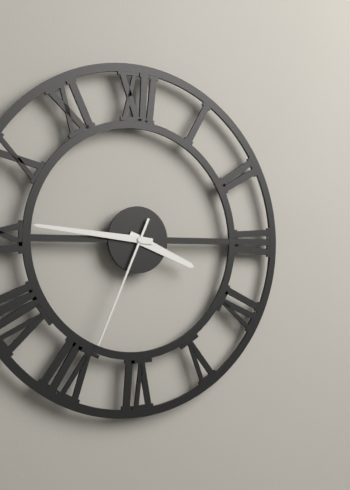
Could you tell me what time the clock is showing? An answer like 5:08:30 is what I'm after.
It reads 3:46:34
